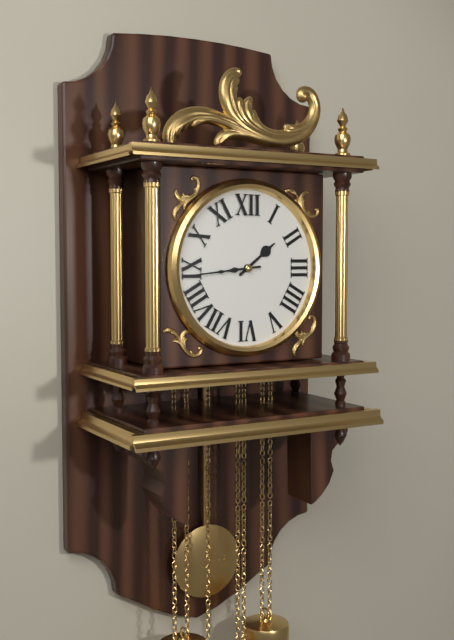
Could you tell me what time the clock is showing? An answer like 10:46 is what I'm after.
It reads 1:44
